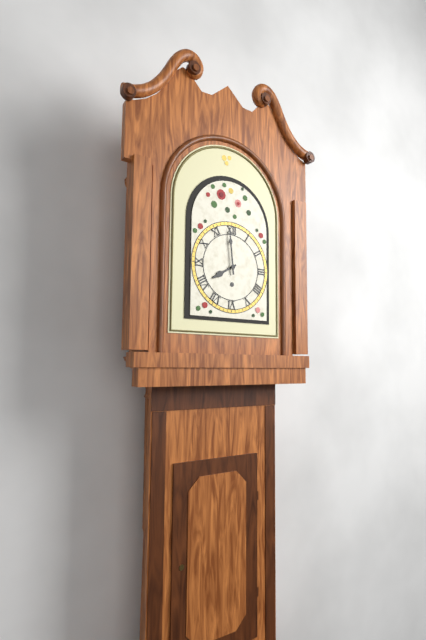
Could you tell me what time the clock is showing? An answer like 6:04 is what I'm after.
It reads 7:59
